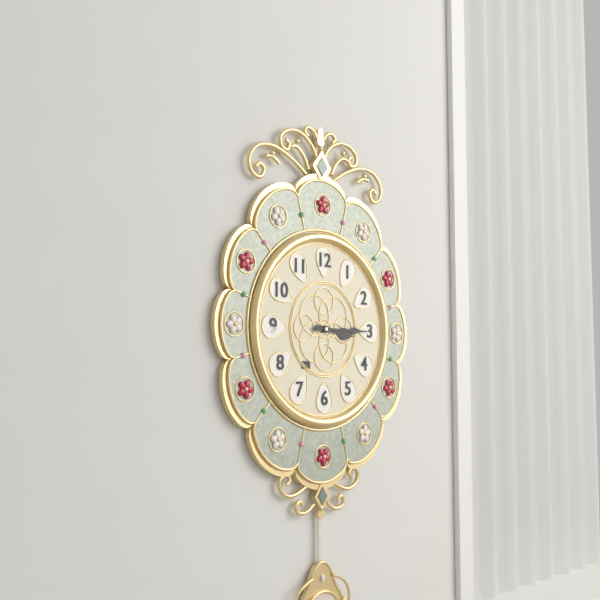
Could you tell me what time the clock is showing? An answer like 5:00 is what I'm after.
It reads 3:15
